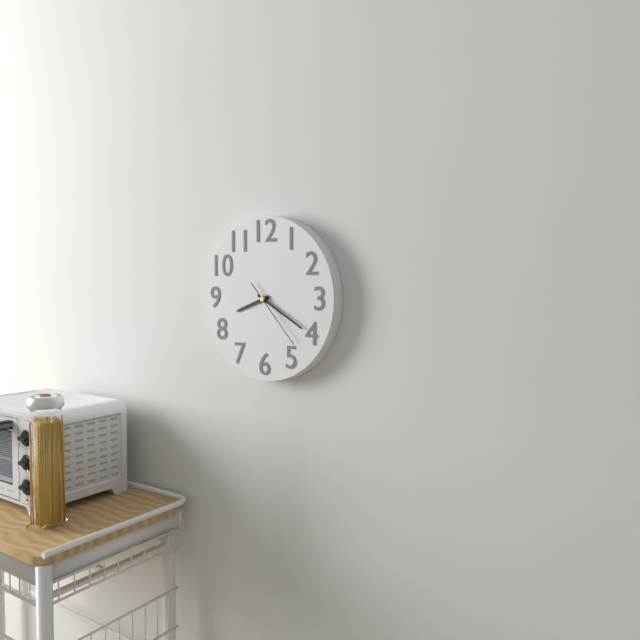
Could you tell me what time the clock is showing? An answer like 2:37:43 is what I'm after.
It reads 8:20:23
